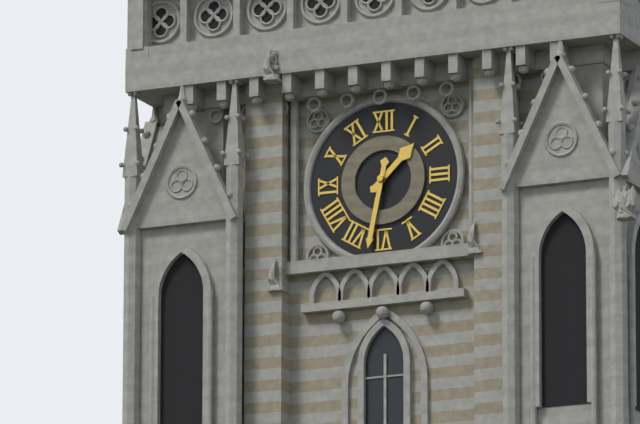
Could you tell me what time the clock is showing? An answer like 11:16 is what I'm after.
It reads 1:32
